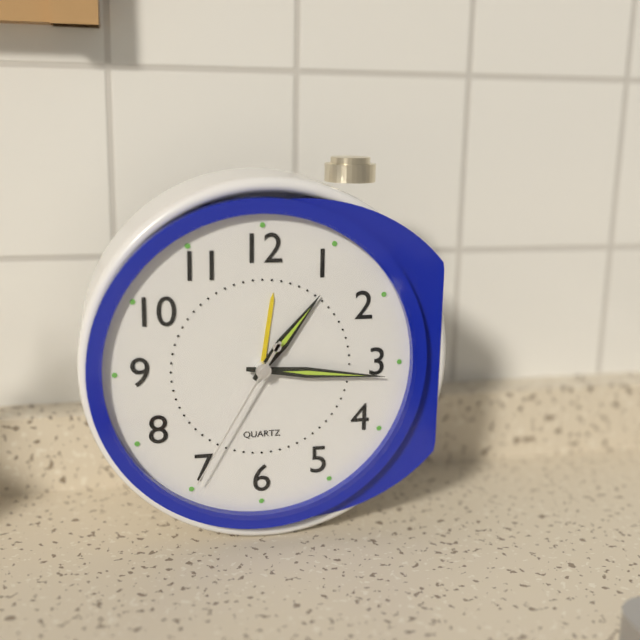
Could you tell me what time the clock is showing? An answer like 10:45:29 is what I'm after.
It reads 1:16:35
